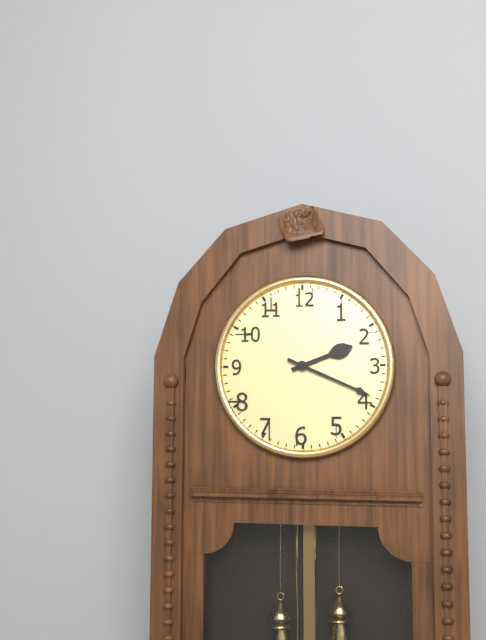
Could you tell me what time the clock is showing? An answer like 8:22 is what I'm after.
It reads 2:19
